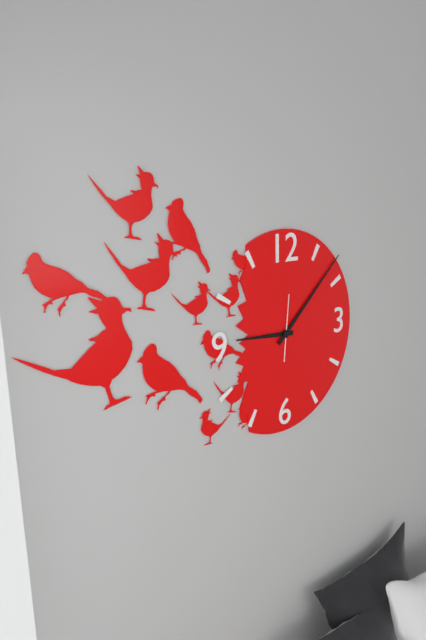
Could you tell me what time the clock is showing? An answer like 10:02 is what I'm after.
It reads 9:08
